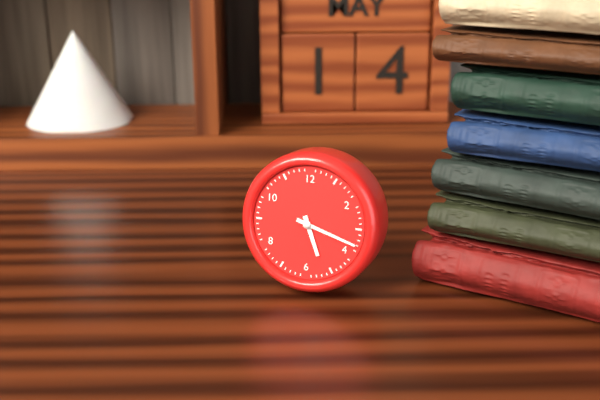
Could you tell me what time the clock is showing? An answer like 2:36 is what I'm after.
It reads 5:18
